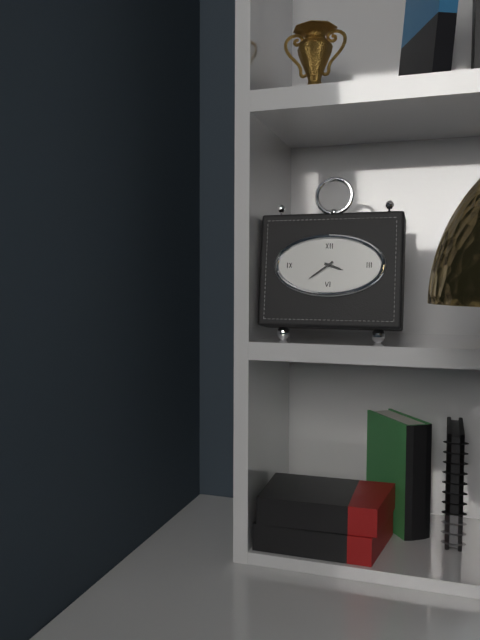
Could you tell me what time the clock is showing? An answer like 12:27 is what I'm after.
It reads 3:39
